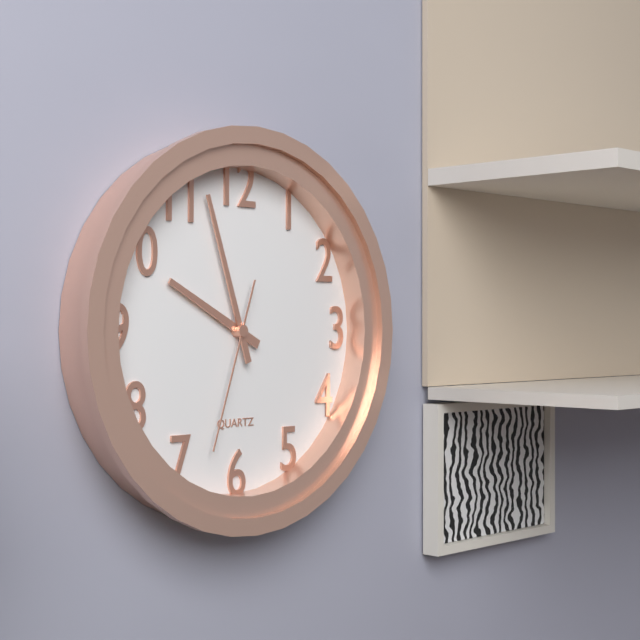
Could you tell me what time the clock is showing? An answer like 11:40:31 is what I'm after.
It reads 9:57:33
